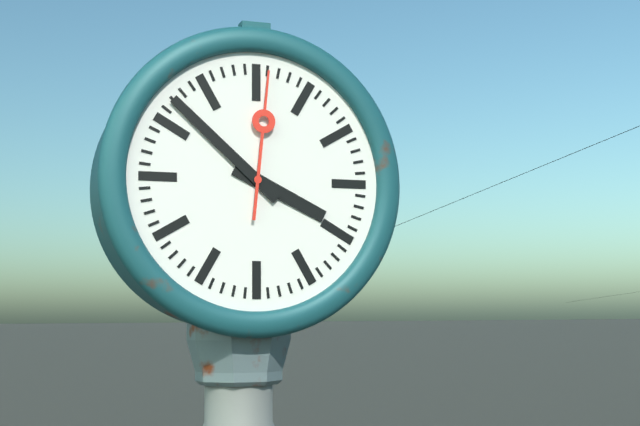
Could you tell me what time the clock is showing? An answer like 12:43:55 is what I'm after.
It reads 3:52:01
